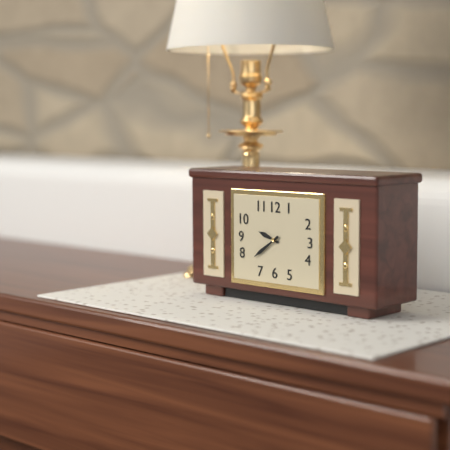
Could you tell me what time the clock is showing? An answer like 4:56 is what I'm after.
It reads 9:39
